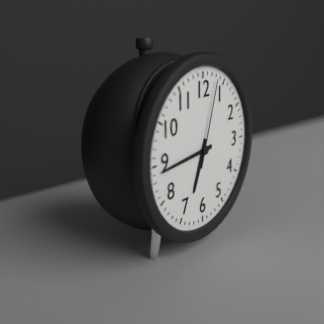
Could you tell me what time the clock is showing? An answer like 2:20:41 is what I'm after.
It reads 6:44:03
